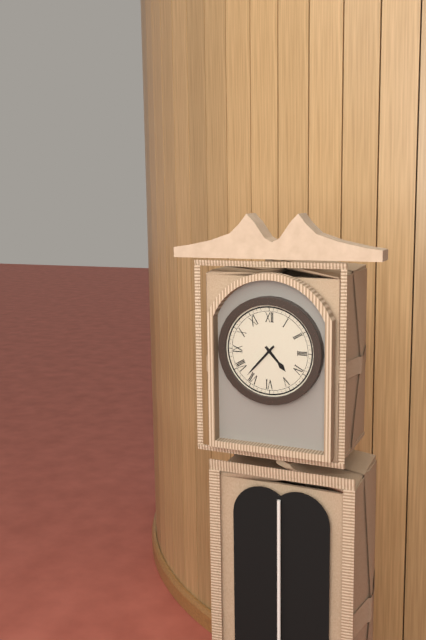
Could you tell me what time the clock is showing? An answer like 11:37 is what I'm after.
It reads 4:37
